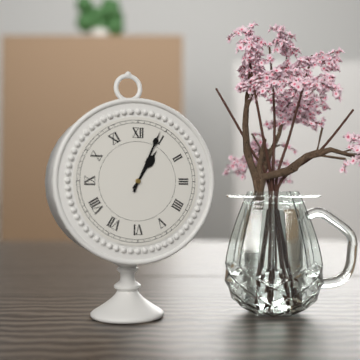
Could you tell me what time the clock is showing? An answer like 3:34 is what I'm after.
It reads 1:04
